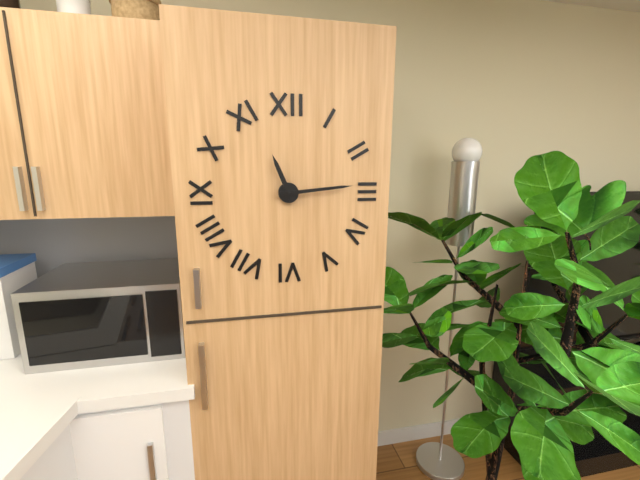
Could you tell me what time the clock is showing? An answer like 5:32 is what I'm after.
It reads 11:14
